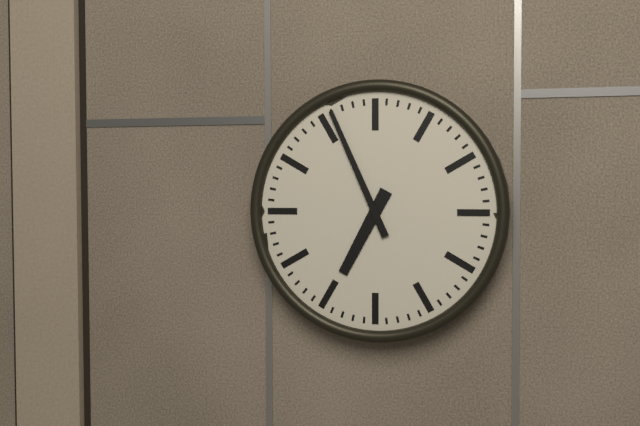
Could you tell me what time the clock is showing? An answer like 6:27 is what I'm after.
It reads 6:56
